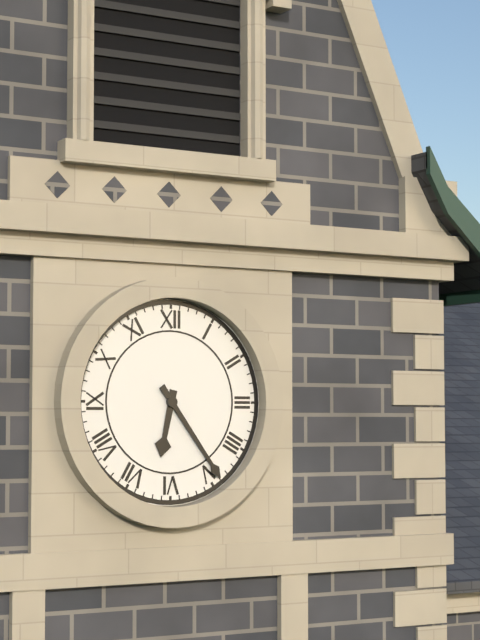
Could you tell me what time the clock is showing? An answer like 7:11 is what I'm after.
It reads 6:24
